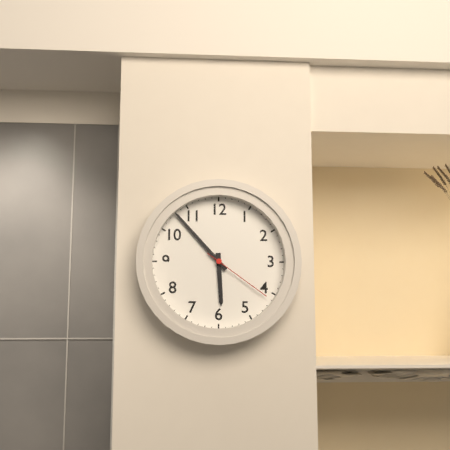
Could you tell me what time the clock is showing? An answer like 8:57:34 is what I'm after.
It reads 5:53:21
